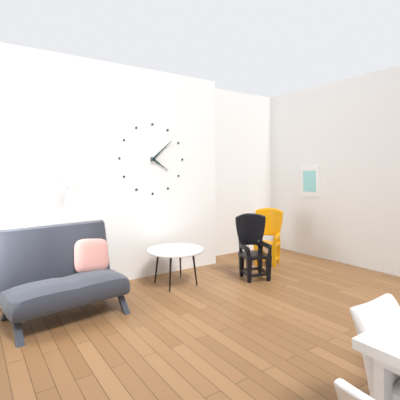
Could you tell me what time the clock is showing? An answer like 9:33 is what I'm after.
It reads 4:08
